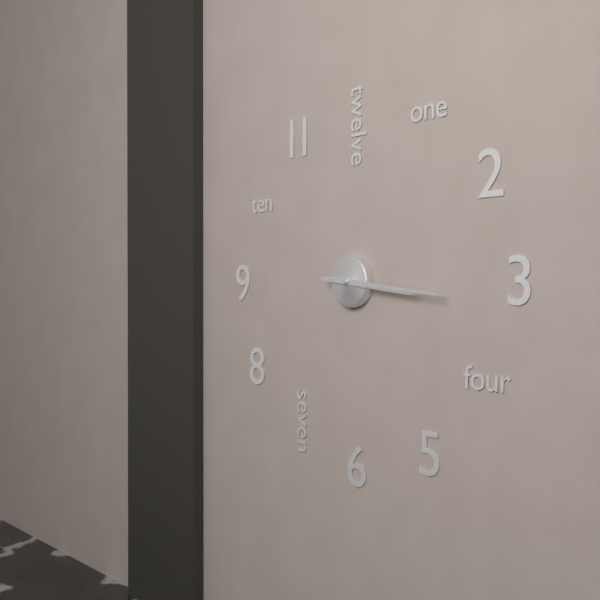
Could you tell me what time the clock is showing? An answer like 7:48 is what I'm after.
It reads 3:16
